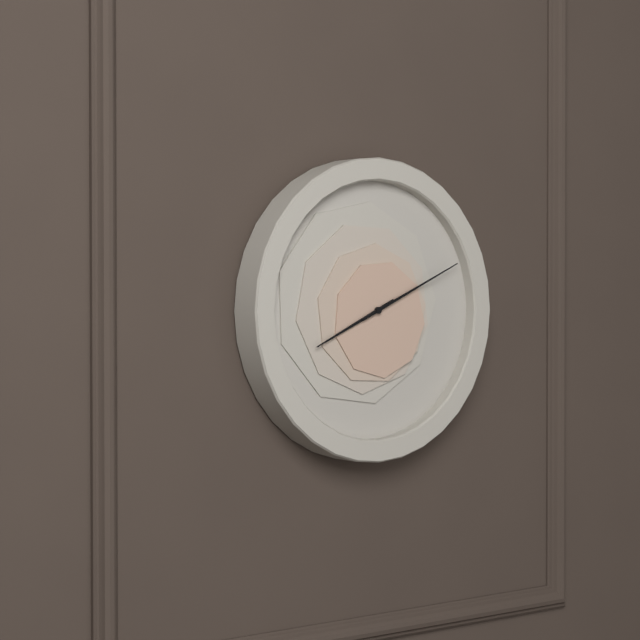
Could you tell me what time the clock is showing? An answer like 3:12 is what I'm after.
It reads 8:11
